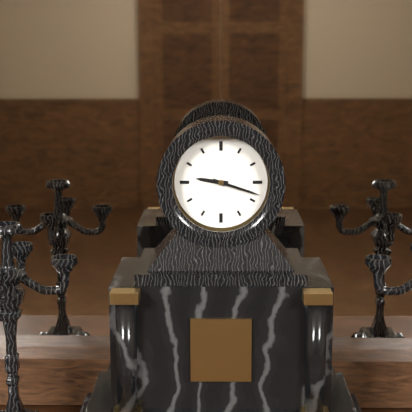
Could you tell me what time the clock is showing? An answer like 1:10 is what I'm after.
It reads 9:18
